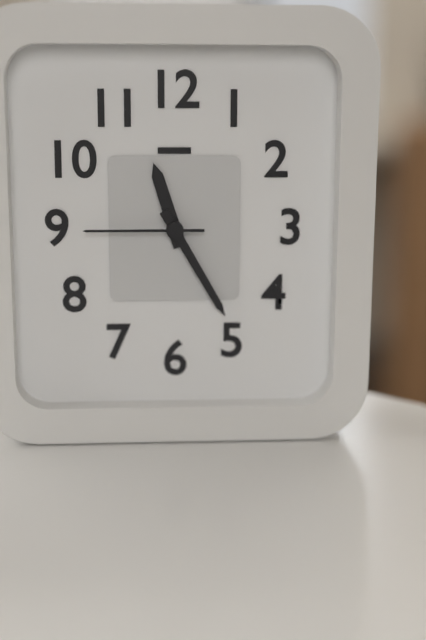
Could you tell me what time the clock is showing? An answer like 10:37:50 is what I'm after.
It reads 11:25:45
